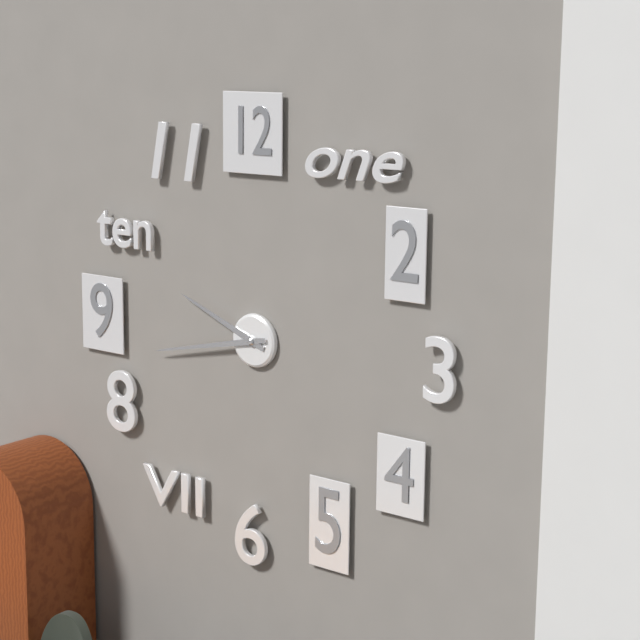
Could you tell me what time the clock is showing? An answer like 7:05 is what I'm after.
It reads 9:43
